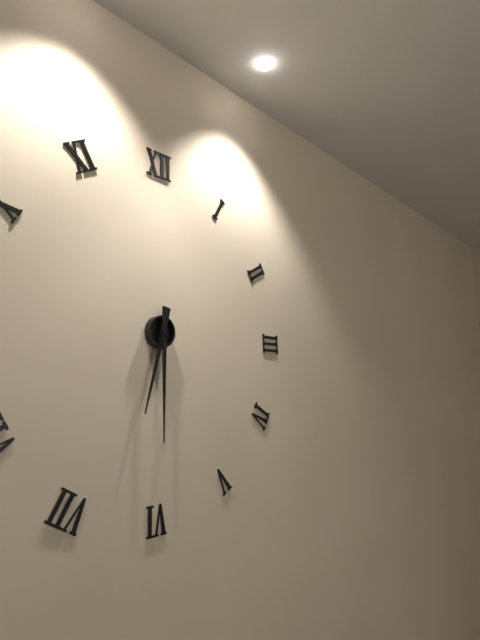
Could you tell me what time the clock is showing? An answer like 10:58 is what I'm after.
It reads 6:30
